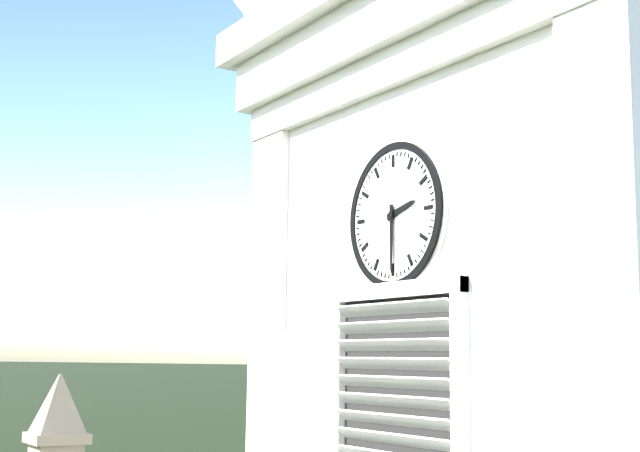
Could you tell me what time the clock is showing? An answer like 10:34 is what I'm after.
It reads 2:30
